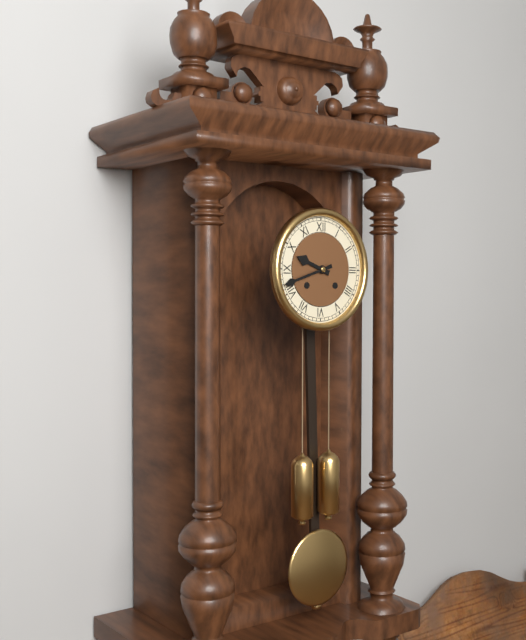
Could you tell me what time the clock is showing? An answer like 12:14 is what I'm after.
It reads 9:42
